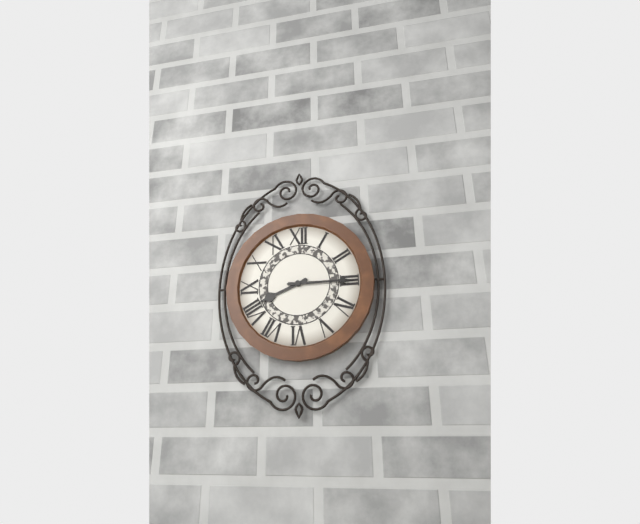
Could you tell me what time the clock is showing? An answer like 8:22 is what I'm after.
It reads 8:15
